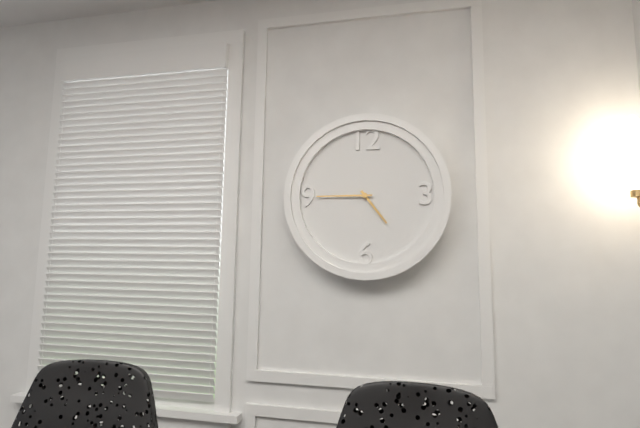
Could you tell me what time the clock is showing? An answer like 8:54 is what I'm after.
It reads 4:45
